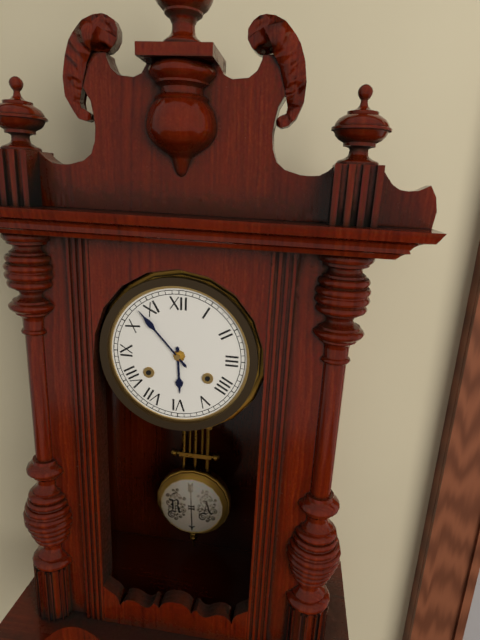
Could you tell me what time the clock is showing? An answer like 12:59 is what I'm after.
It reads 5:53
